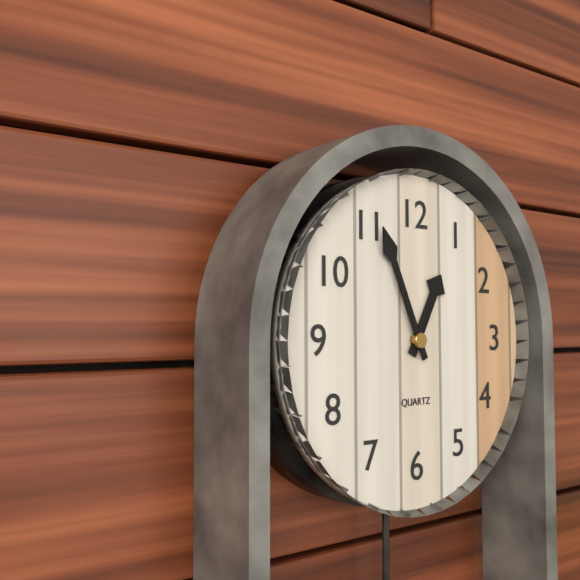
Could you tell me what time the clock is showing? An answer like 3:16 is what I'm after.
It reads 12:56
